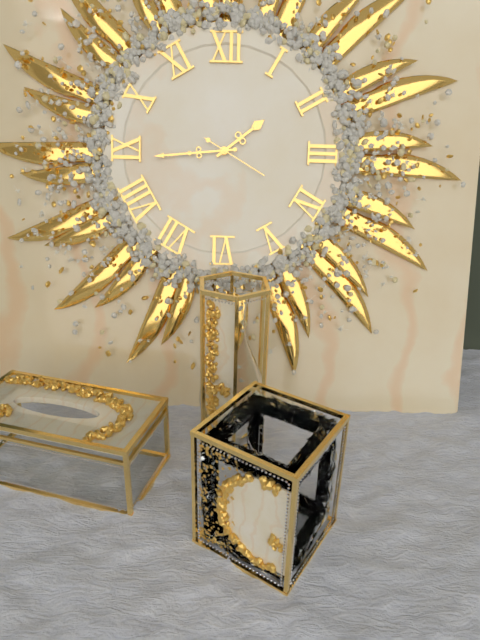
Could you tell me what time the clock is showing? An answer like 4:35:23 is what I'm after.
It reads 1:44:20
